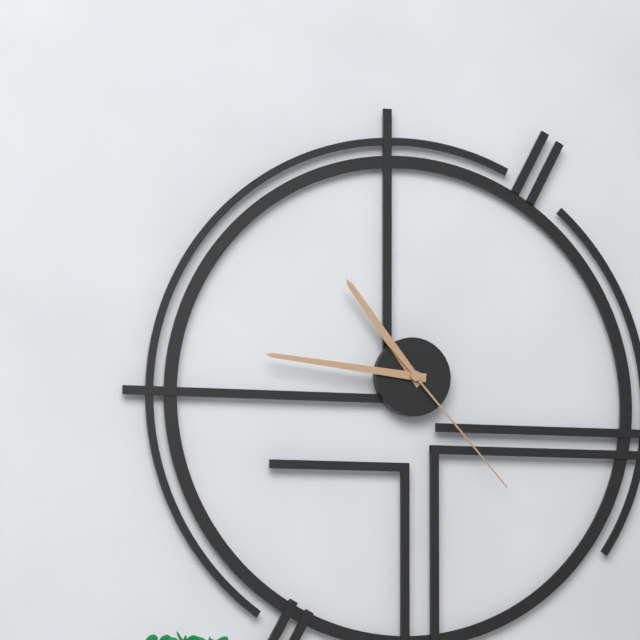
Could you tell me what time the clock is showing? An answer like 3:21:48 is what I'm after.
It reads 10:46:23
